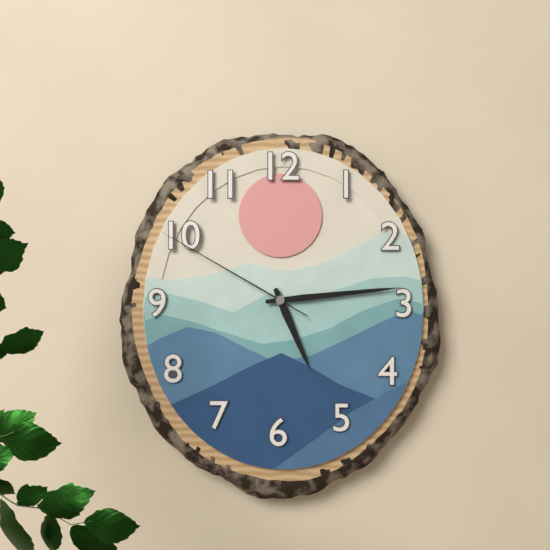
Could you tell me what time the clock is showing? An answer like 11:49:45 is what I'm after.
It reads 5:14:50
